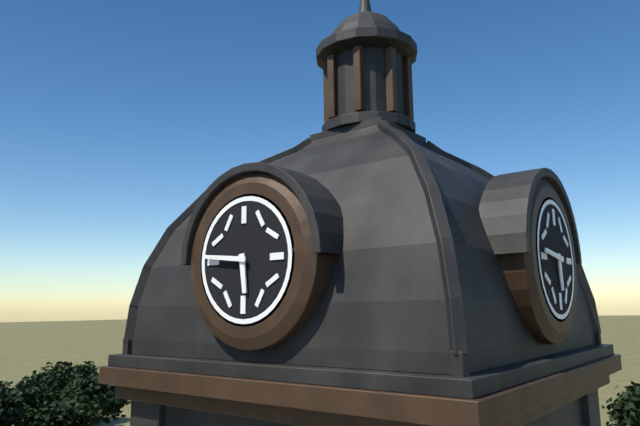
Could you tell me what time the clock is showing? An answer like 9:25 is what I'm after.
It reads 5:46
